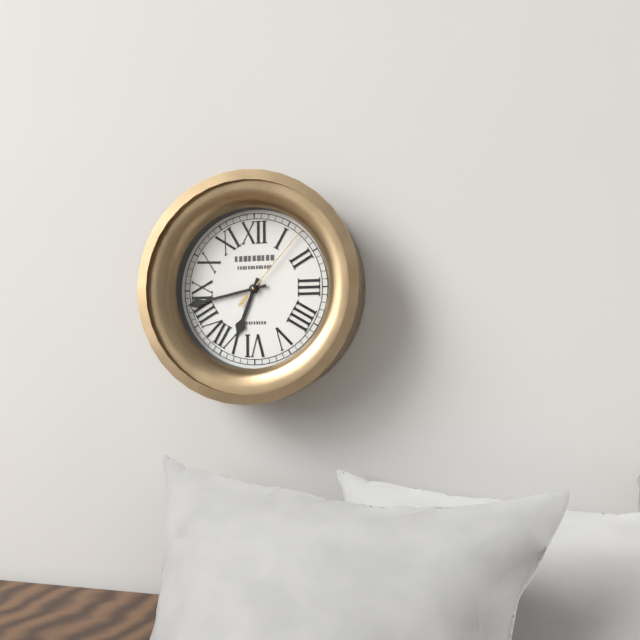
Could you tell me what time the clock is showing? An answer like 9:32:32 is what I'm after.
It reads 6:43:07
